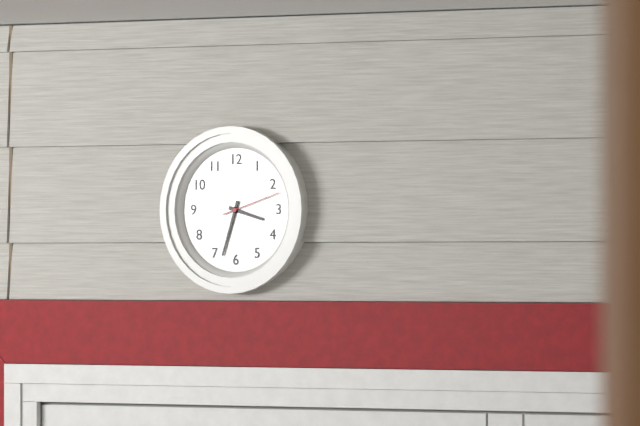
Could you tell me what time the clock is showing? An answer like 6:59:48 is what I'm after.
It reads 3:33:12
